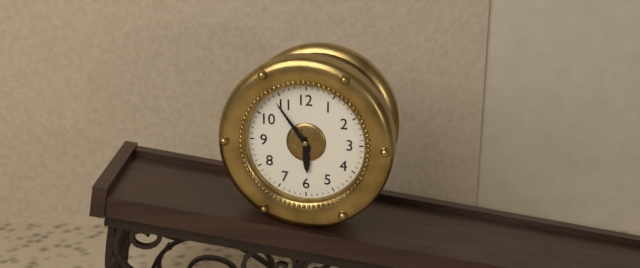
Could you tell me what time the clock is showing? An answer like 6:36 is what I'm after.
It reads 5:54
